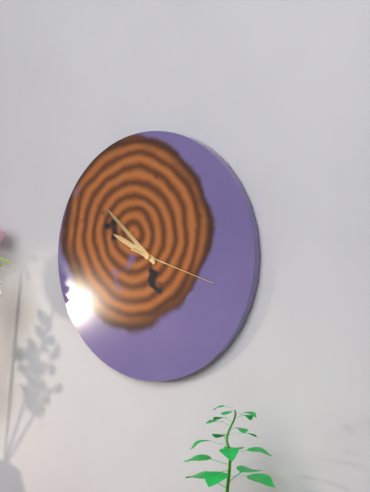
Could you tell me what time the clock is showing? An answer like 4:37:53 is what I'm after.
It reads 9:52:18
